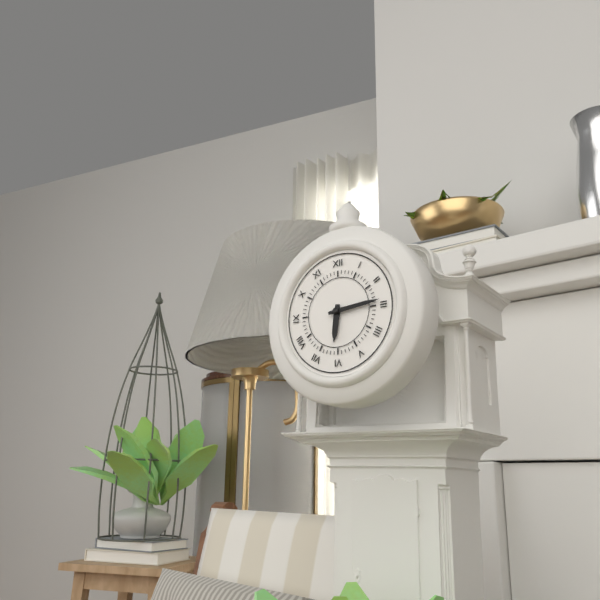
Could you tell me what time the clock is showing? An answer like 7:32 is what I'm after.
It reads 6:14
